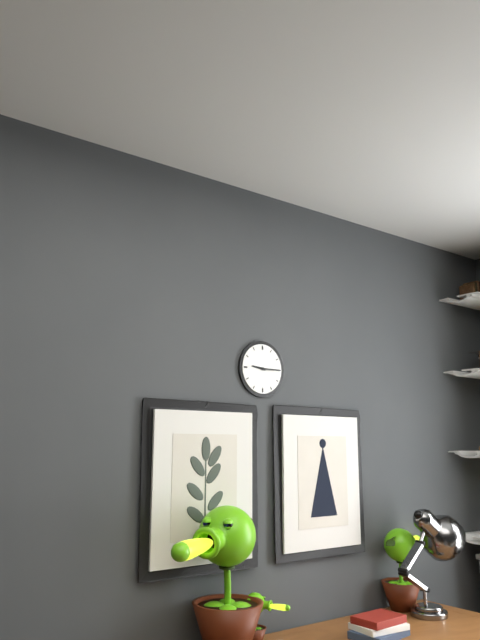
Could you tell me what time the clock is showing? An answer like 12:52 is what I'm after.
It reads 9:15
